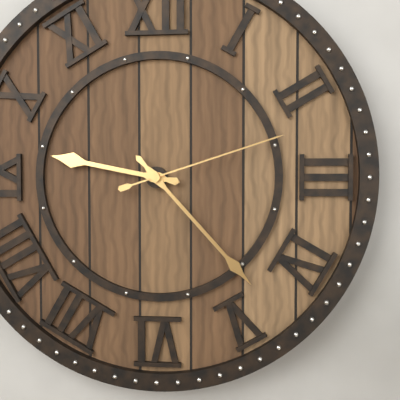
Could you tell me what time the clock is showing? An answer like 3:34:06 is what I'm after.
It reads 9:23:12
